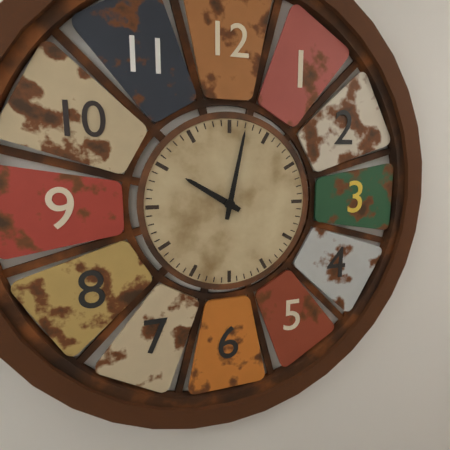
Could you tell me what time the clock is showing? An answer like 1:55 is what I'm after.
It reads 10:02
